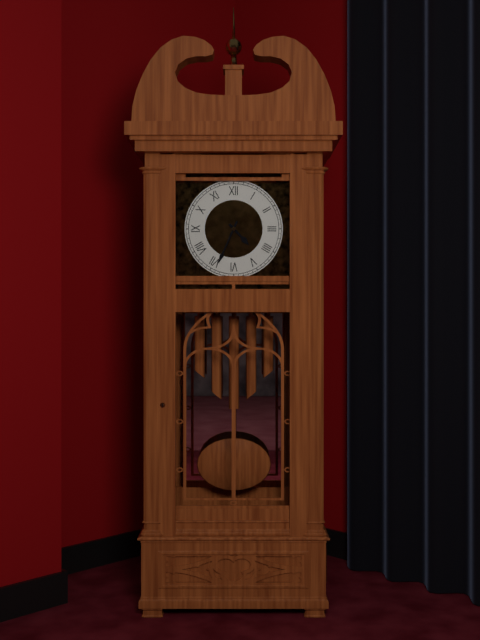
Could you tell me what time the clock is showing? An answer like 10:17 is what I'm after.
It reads 4:34
